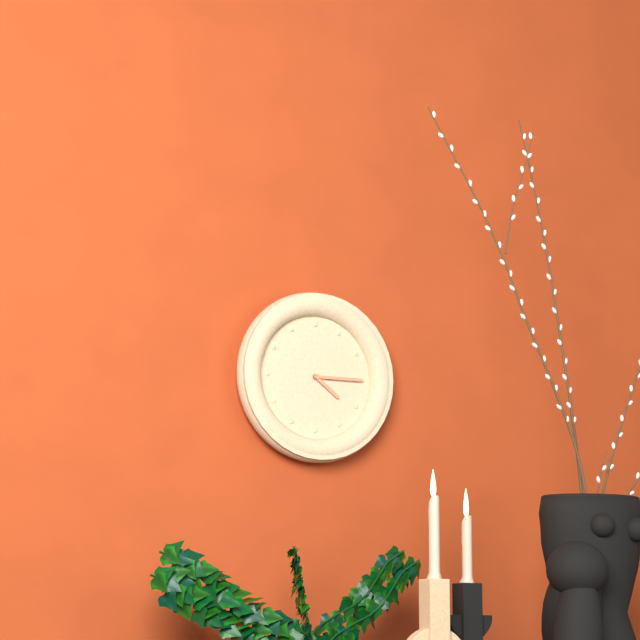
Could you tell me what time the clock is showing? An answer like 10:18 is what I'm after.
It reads 4:15
